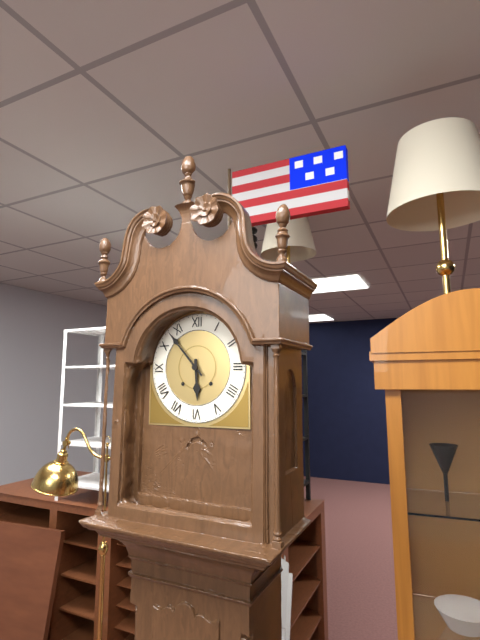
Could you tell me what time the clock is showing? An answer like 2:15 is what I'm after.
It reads 5:53
